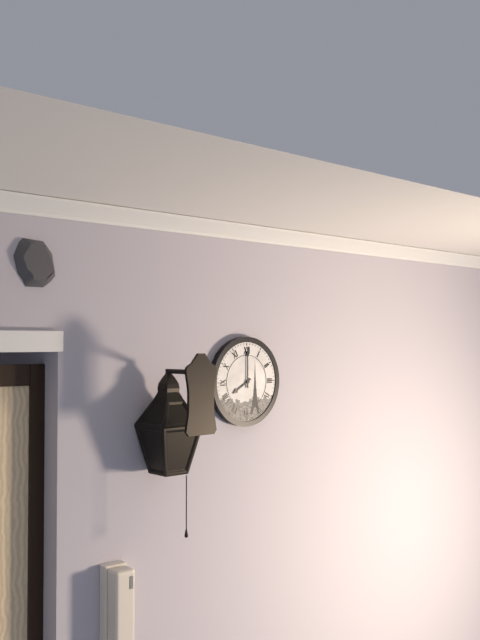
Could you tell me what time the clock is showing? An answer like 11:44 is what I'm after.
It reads 8:00
